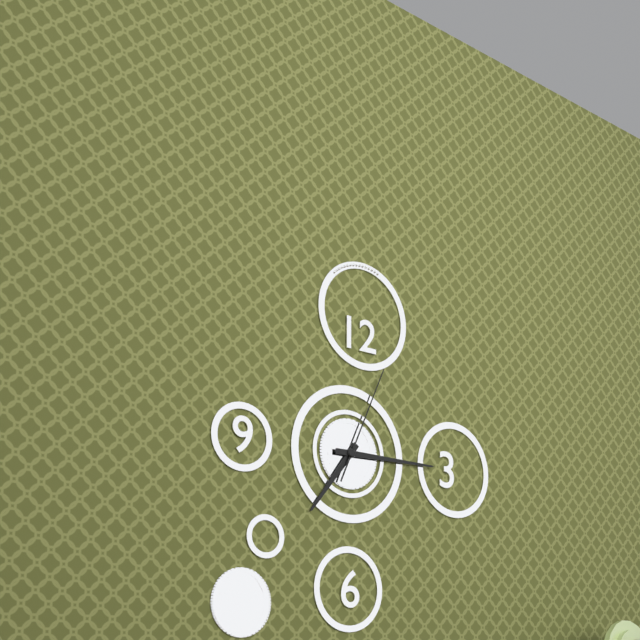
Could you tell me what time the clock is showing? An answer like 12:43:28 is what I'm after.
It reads 7:15:04
